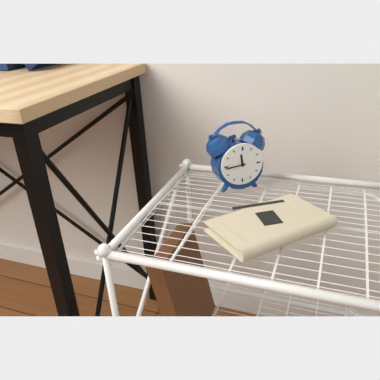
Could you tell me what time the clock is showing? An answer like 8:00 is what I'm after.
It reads 11:44
